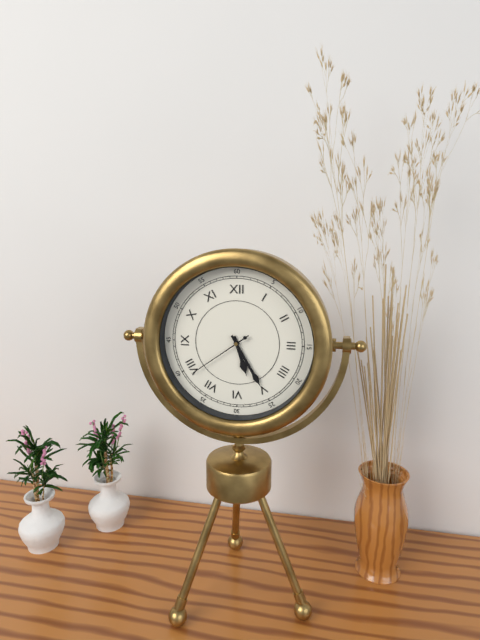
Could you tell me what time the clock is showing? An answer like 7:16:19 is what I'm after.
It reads 5:25:39
